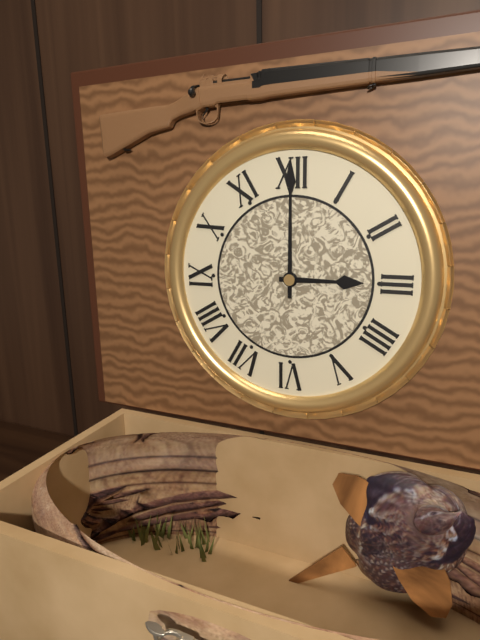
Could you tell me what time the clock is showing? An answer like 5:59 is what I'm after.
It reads 3:00
